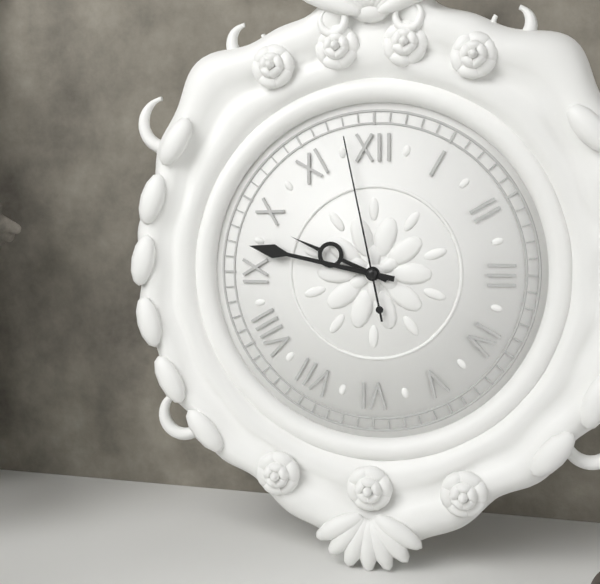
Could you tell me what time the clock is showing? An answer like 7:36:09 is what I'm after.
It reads 9:47:58
